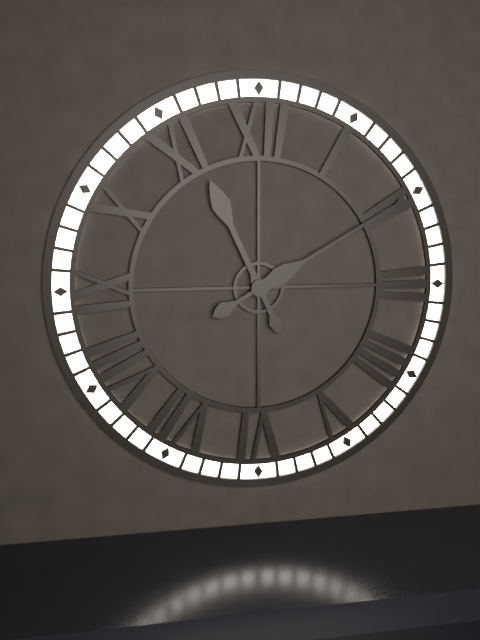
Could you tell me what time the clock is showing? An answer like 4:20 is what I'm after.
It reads 11:10
